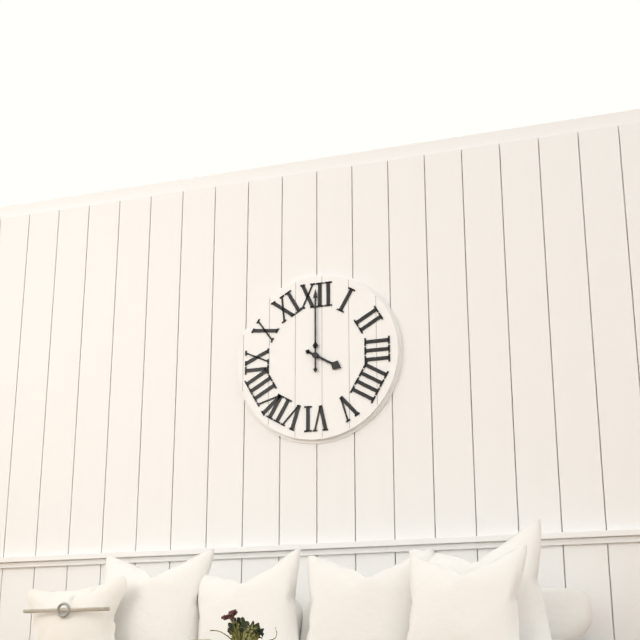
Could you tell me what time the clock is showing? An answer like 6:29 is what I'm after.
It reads 4:00
